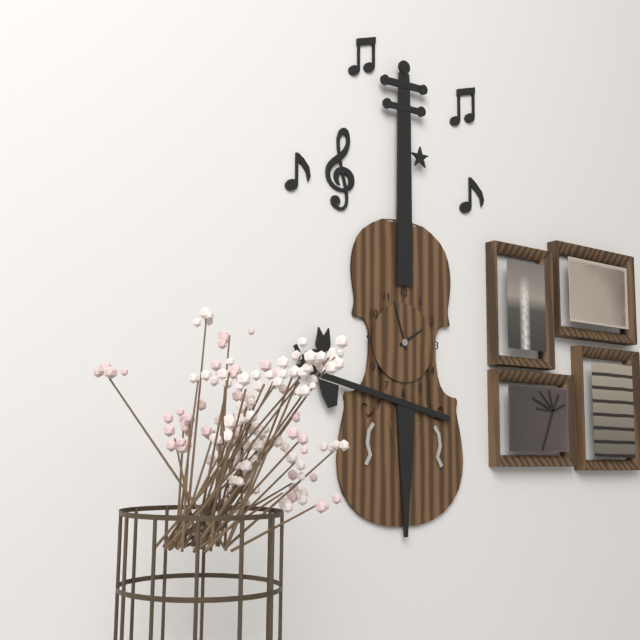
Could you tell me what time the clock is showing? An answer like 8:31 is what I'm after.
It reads 1:57
